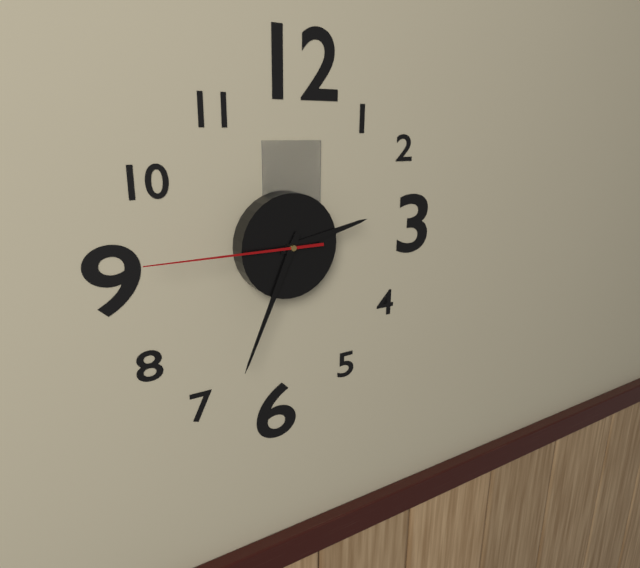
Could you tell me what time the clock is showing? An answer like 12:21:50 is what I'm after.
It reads 2:34:45
